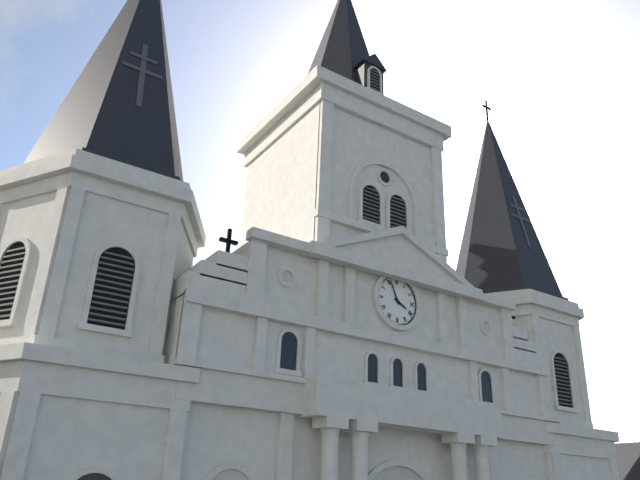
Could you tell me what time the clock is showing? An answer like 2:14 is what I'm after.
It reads 3:56
